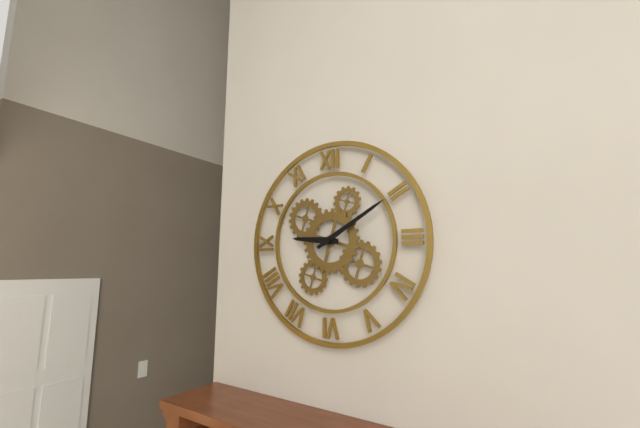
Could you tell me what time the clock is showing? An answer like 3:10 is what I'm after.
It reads 9:10
